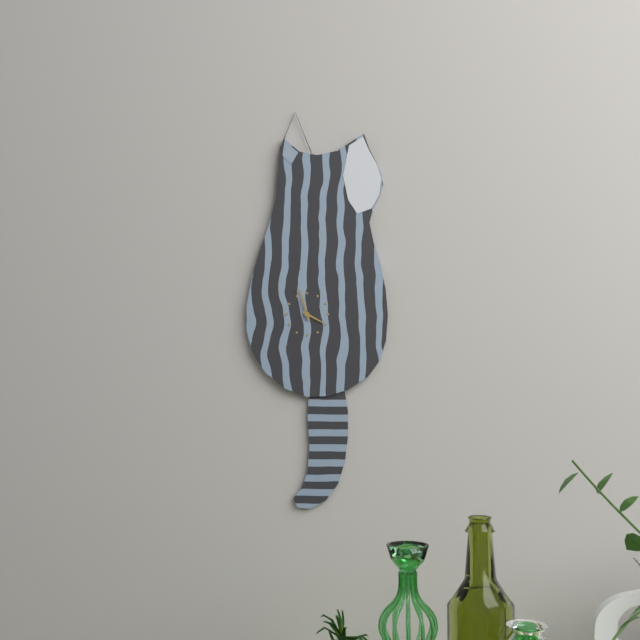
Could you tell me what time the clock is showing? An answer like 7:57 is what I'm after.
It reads 3:57
